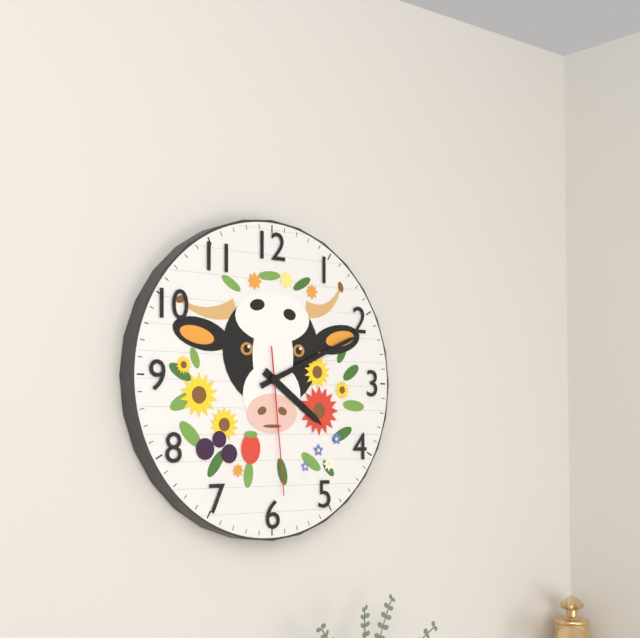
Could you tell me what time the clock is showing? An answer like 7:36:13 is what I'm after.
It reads 4:11:29
